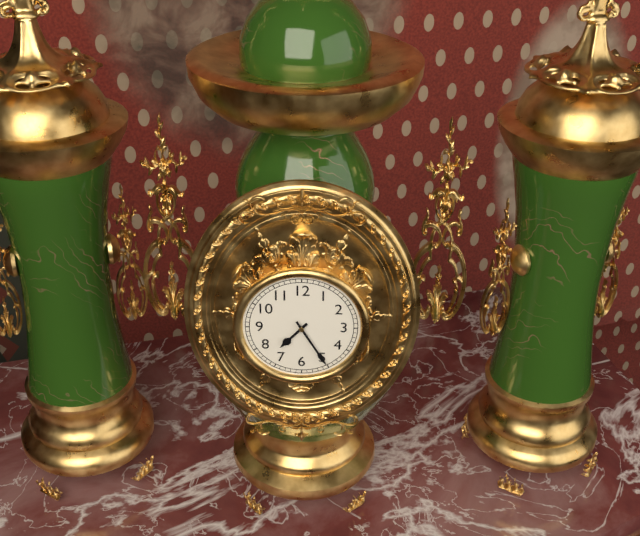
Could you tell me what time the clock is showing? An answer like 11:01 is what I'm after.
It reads 7:25
